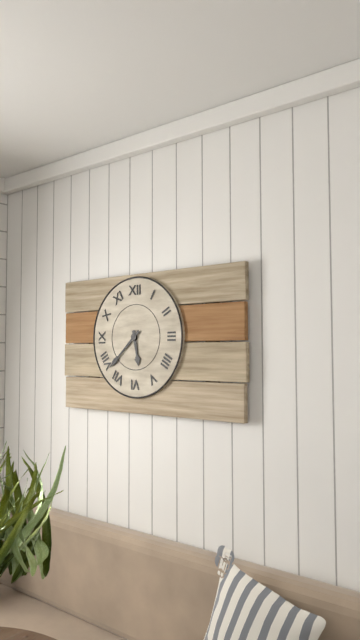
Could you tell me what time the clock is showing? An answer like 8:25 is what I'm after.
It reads 5:38
